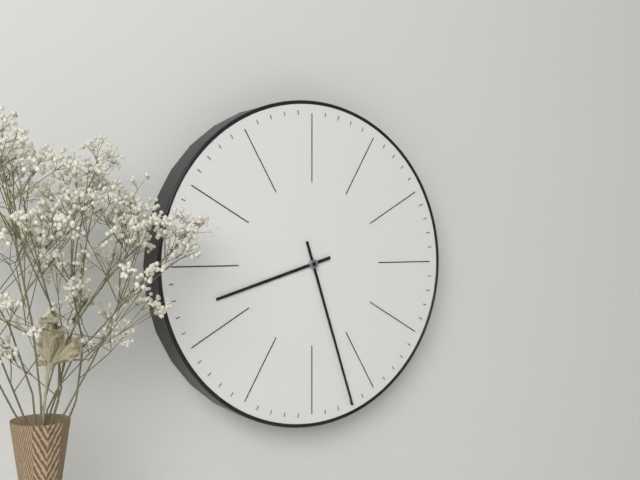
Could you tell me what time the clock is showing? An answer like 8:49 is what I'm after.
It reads 8:27
